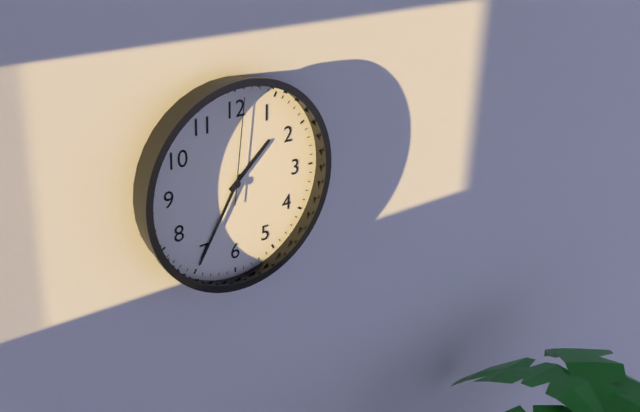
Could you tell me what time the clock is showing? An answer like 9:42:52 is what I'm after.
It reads 1:35:01
